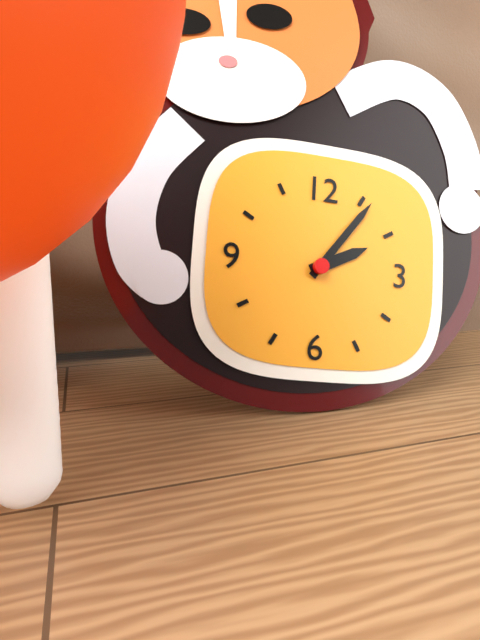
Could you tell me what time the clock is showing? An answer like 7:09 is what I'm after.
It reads 2:06
